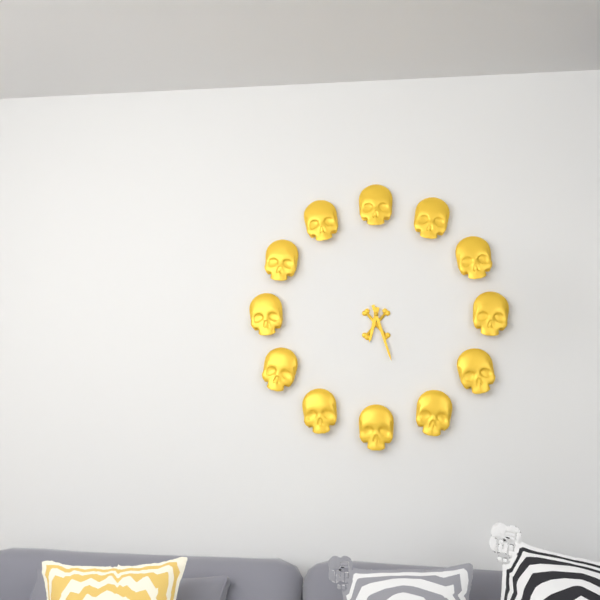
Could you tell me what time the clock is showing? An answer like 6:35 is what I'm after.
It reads 6:27
